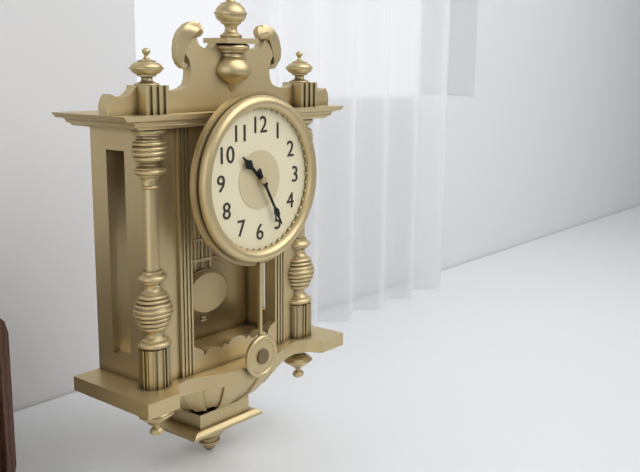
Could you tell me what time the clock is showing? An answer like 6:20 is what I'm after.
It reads 10:25
